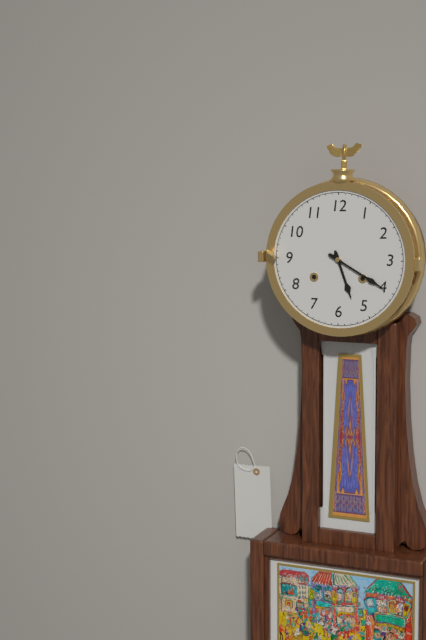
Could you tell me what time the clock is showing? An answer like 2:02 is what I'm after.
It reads 5:20
